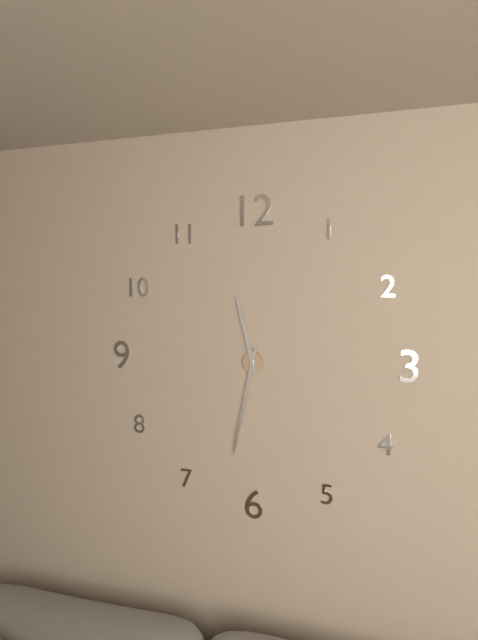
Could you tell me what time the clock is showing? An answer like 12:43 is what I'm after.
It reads 11:32
